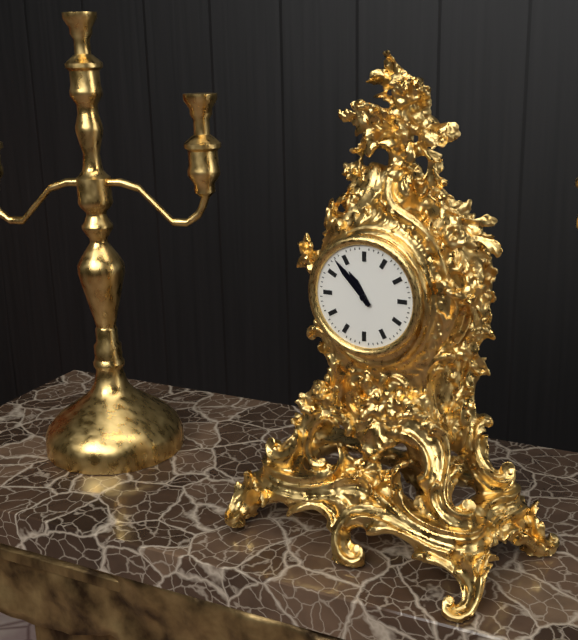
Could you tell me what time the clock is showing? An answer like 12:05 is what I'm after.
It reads 10:53
